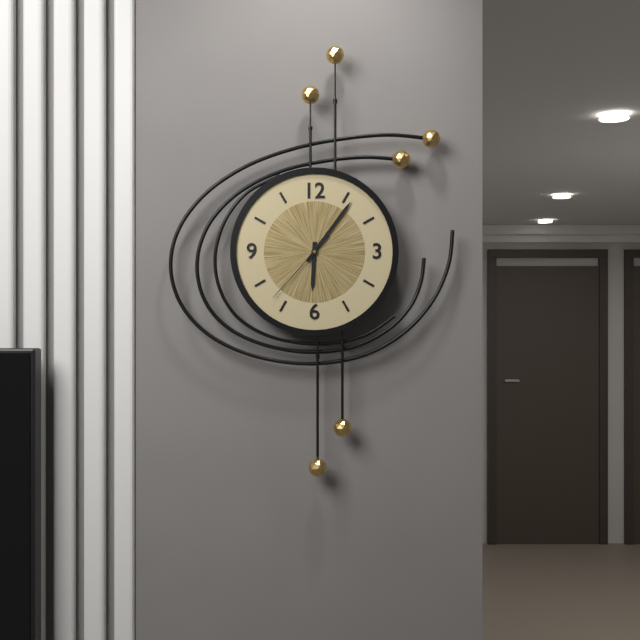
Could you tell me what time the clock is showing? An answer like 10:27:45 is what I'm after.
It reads 6:06:37
